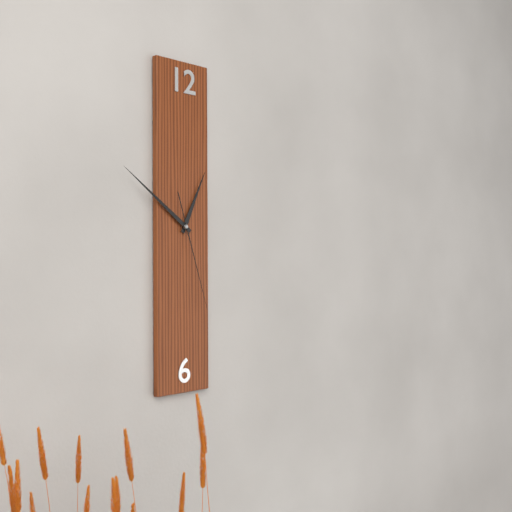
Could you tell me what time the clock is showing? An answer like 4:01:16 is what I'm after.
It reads 12:51:27
